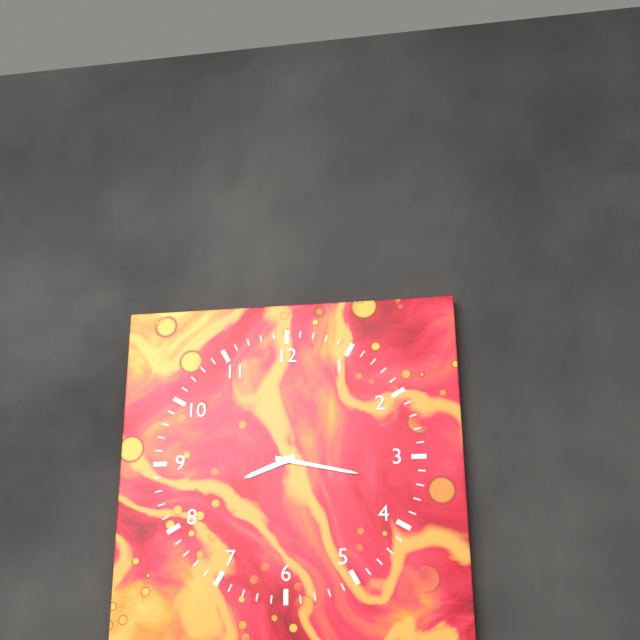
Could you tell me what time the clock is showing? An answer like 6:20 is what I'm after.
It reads 8:17
